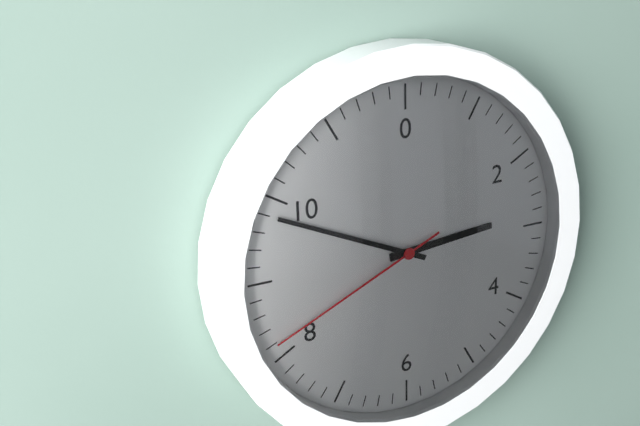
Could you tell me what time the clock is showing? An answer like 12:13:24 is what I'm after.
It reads 2:49:41
